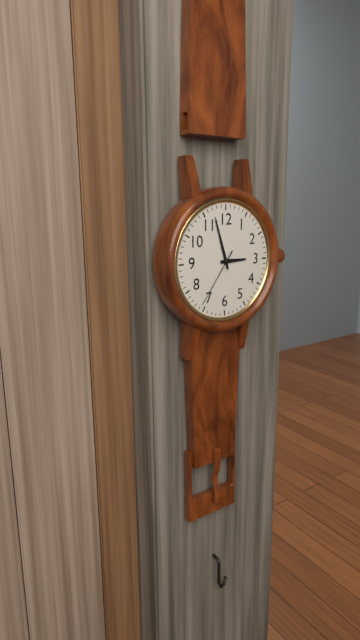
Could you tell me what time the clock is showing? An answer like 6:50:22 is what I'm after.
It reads 2:57:36
